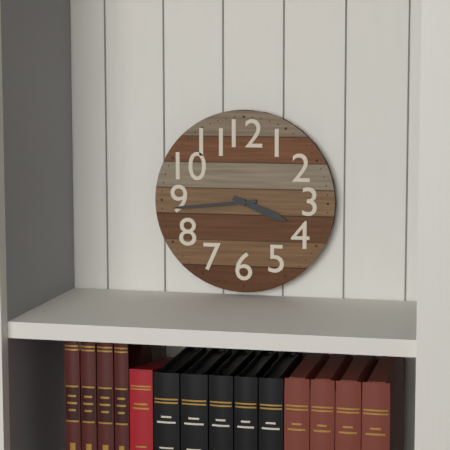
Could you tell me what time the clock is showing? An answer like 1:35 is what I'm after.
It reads 3:44
